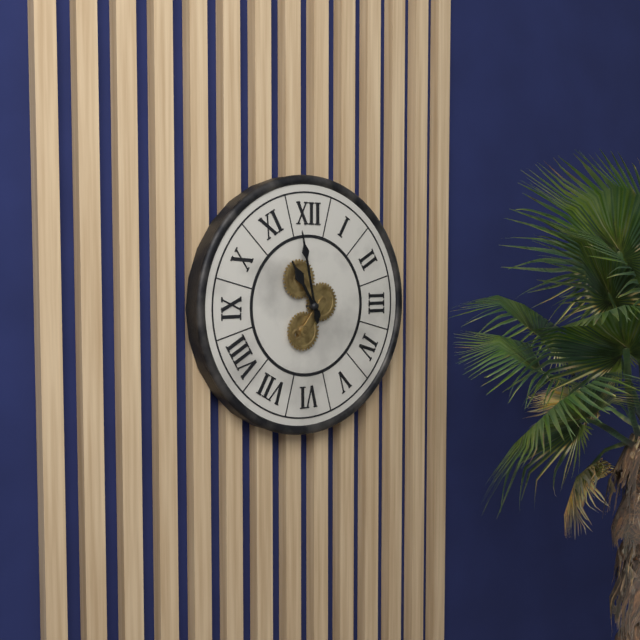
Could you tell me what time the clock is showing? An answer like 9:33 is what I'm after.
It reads 10:58
